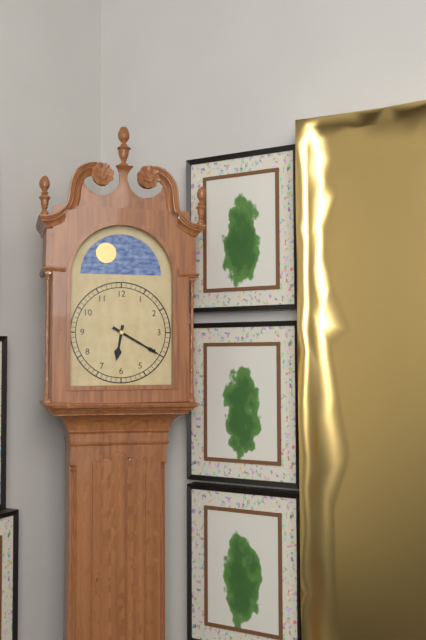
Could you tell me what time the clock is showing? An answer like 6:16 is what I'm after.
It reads 6:20
